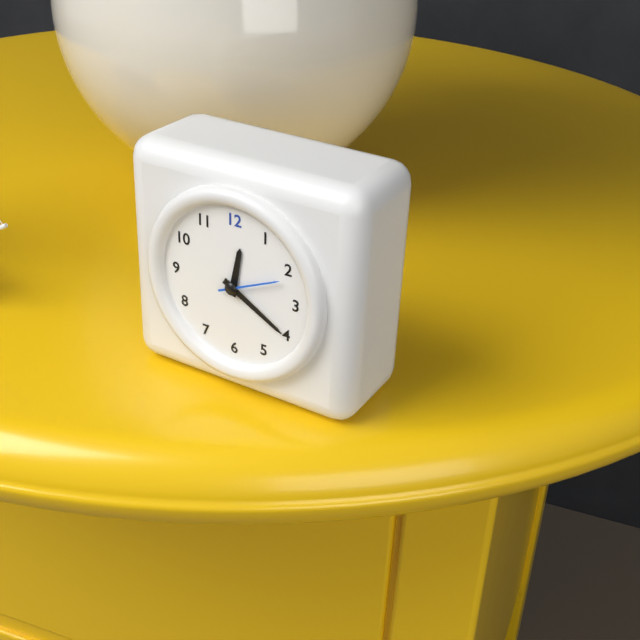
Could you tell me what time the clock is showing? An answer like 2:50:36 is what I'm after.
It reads 12:20:11
